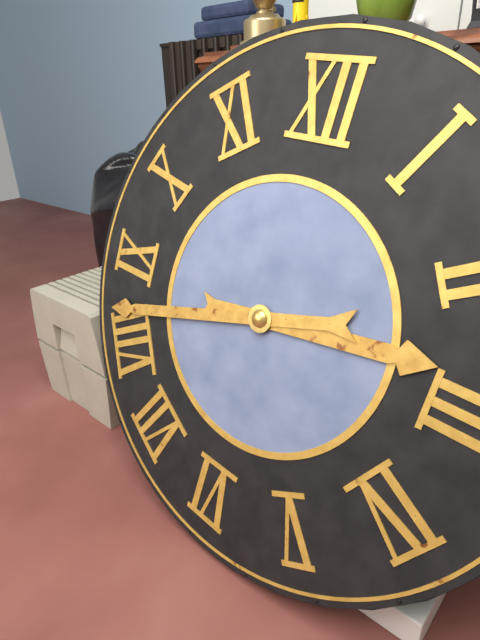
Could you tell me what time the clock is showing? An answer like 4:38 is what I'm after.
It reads 2:42
